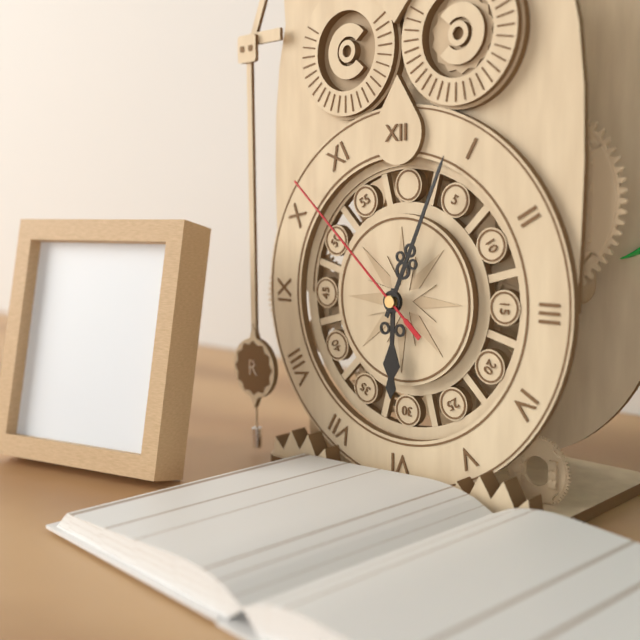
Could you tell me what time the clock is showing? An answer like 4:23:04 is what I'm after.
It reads 6:04:52
